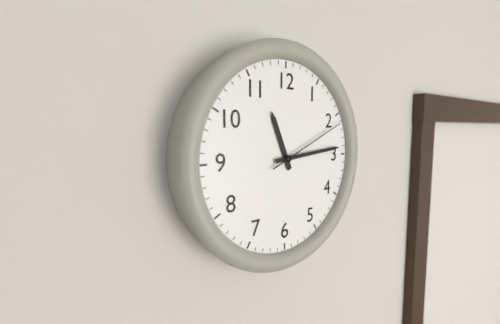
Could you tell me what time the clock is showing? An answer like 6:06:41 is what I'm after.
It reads 11:14:11
